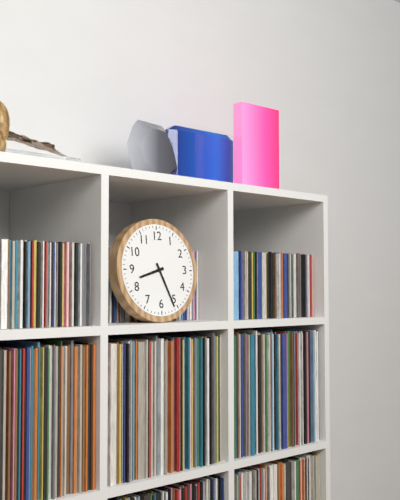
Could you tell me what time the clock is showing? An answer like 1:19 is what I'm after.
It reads 8:26
